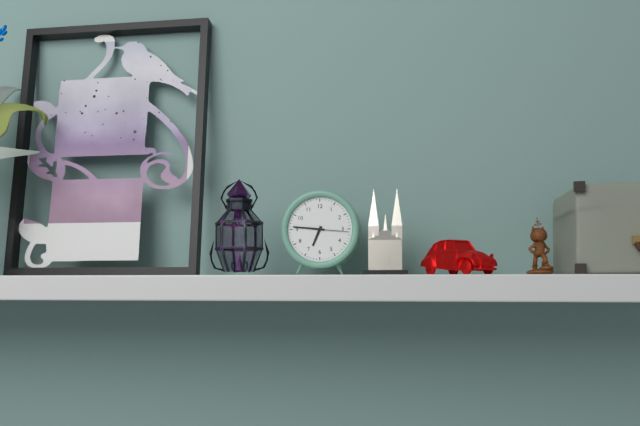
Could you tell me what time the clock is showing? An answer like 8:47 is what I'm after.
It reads 6:46
